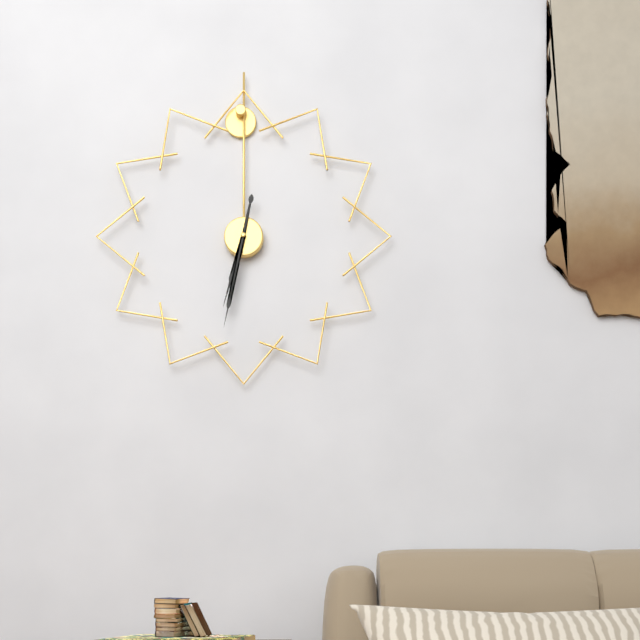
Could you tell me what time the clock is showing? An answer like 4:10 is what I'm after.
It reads 6:32
